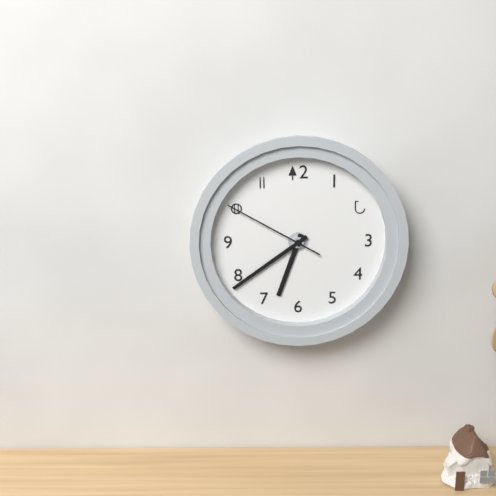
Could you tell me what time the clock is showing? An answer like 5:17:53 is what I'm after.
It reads 6:39:50
